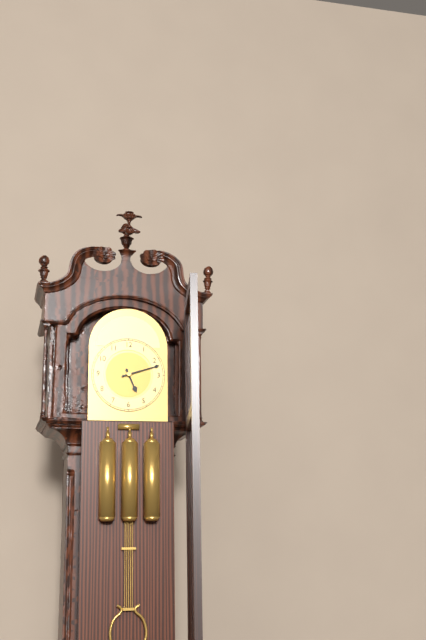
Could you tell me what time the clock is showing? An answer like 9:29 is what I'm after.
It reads 5:12
